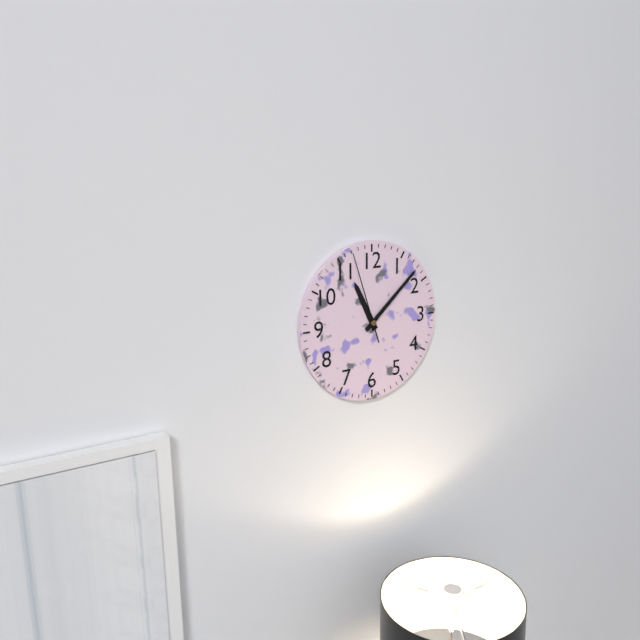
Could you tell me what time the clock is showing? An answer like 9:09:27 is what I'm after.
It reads 11:08:57
